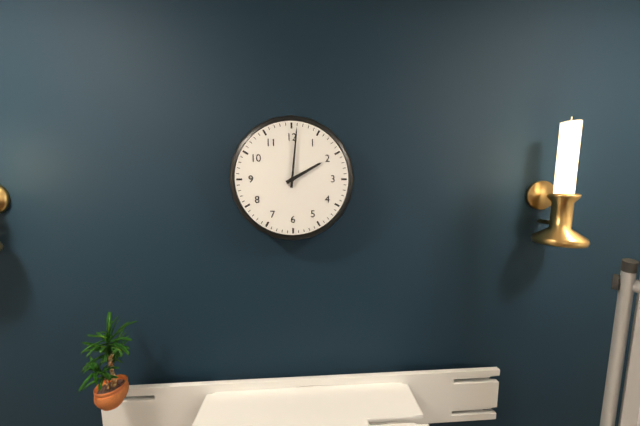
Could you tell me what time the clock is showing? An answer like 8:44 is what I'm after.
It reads 2:01
